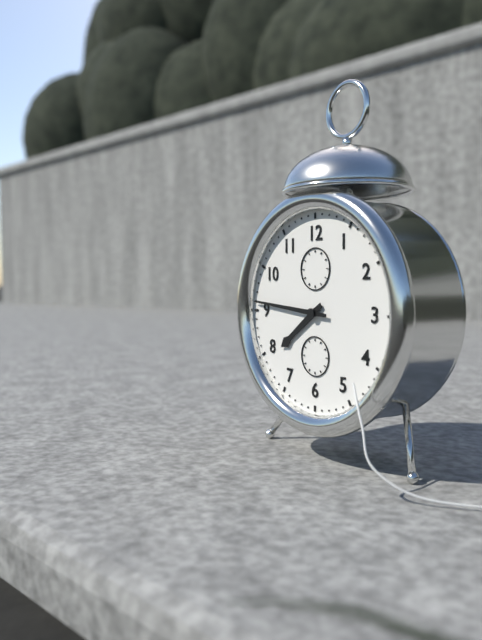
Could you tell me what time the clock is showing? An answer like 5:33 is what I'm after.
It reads 7:46
